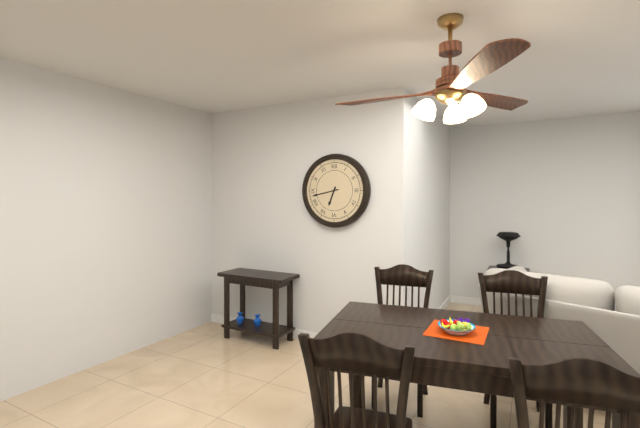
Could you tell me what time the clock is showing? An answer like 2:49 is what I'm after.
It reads 6:43
